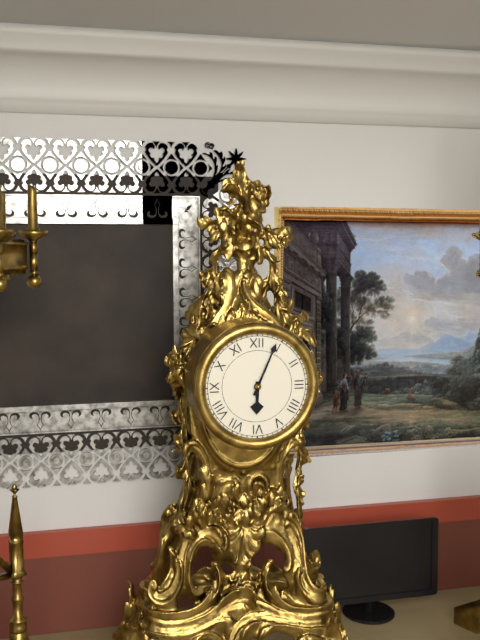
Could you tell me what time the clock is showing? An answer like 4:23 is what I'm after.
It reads 6:04
